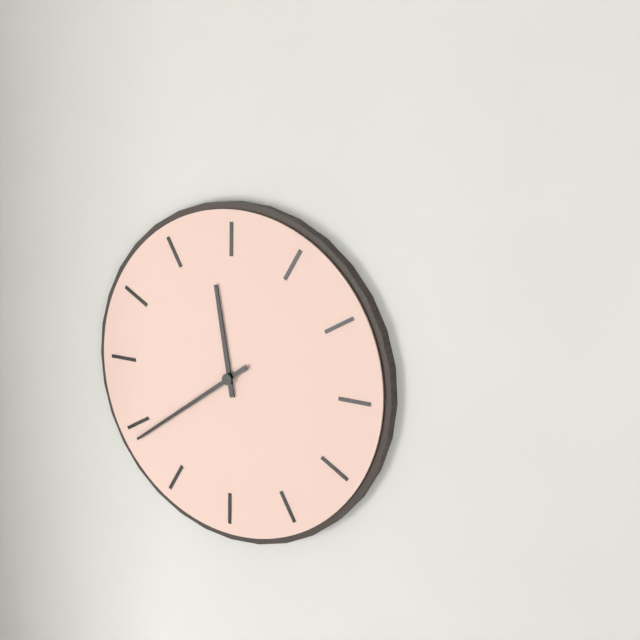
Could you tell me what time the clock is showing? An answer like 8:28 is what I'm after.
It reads 11:39
